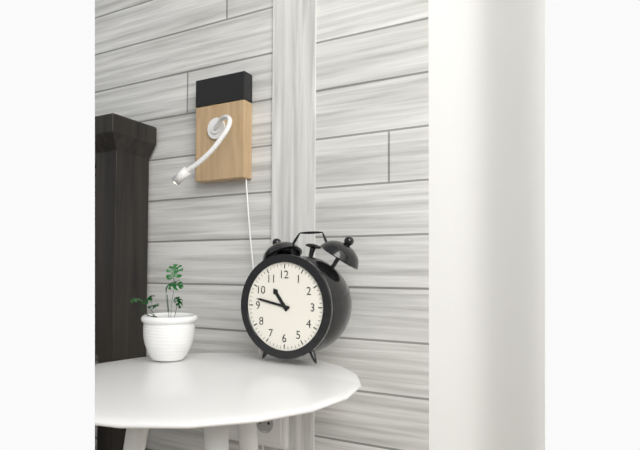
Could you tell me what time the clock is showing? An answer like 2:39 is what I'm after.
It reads 10:47
